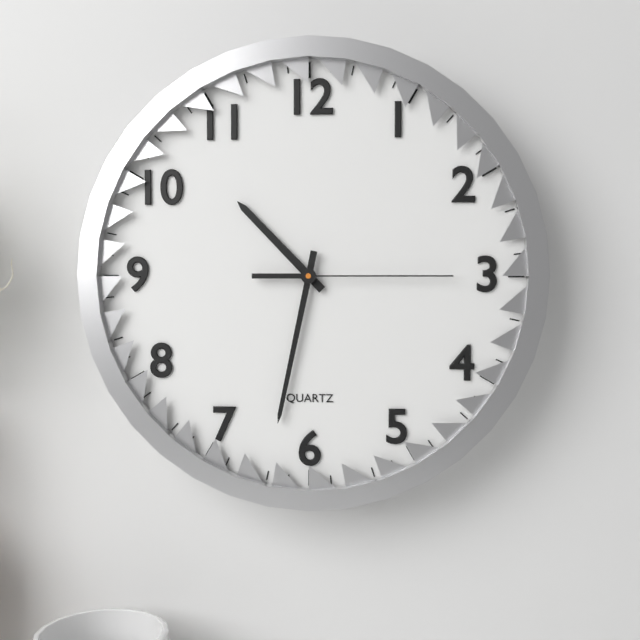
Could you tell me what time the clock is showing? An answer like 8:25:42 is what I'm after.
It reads 10:32:15
